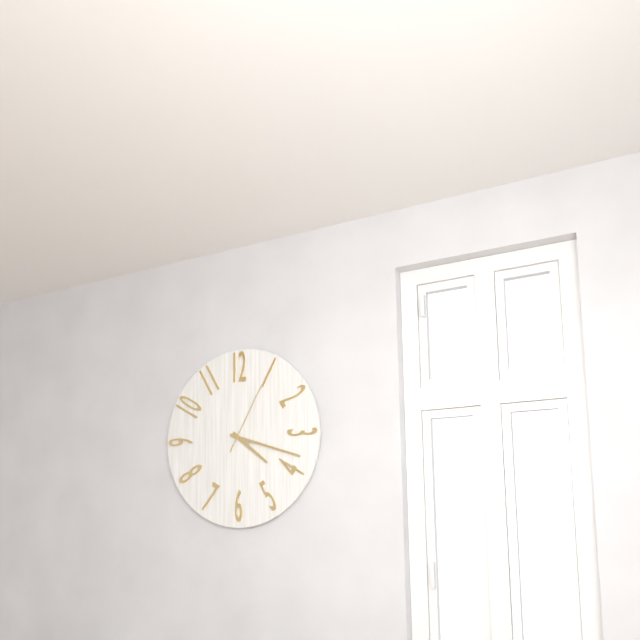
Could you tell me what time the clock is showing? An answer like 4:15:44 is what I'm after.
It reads 4:18:05
